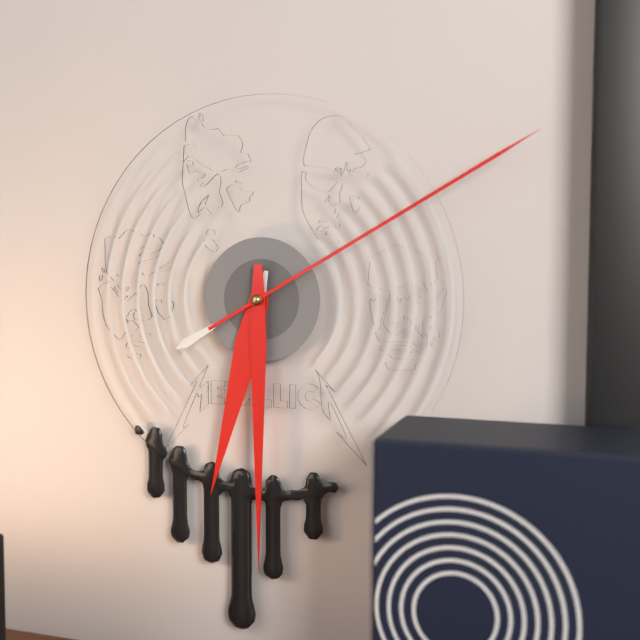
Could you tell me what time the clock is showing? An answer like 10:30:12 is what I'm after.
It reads 6:30:10
